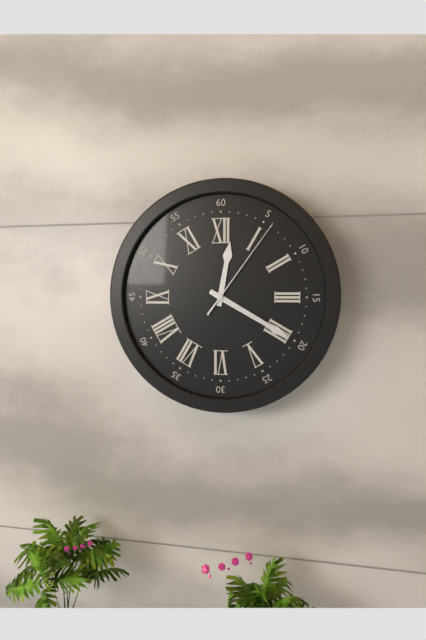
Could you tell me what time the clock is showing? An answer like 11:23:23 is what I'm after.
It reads 12:20:06
